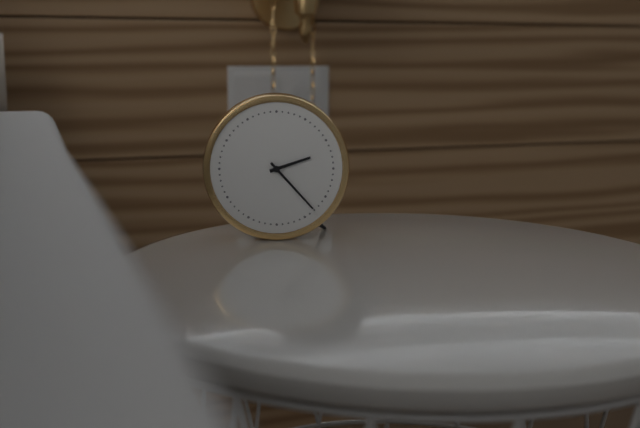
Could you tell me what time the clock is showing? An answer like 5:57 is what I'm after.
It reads 2:23
